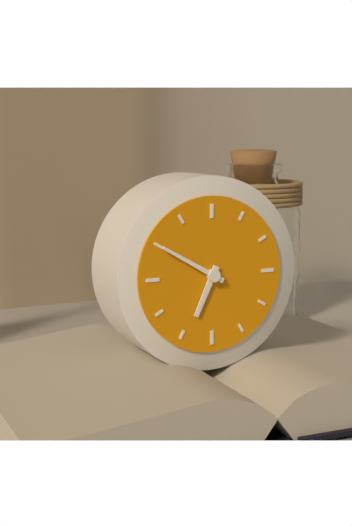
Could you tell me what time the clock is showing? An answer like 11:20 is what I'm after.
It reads 6:50
